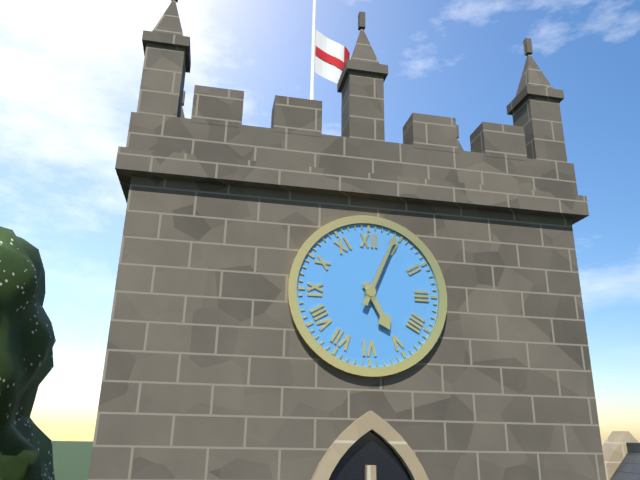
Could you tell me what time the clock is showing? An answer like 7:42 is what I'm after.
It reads 5:04
